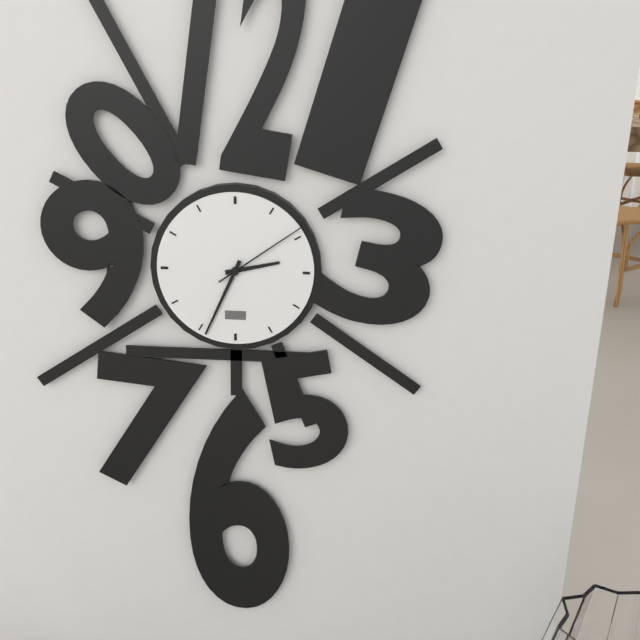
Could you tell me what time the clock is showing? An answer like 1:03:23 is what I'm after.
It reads 2:34:09
